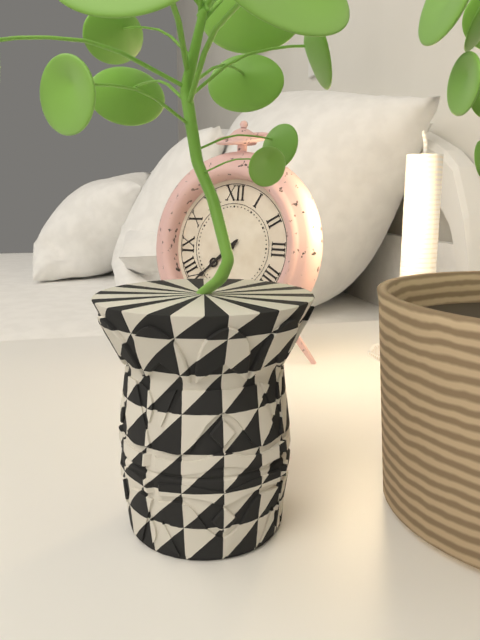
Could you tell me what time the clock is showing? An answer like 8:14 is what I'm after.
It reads 7:38
